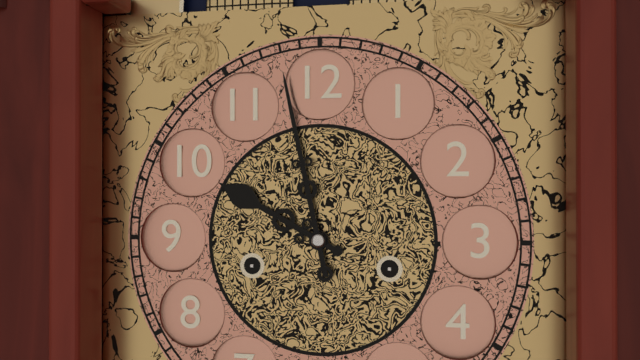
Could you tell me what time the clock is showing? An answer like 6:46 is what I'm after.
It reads 9:58
